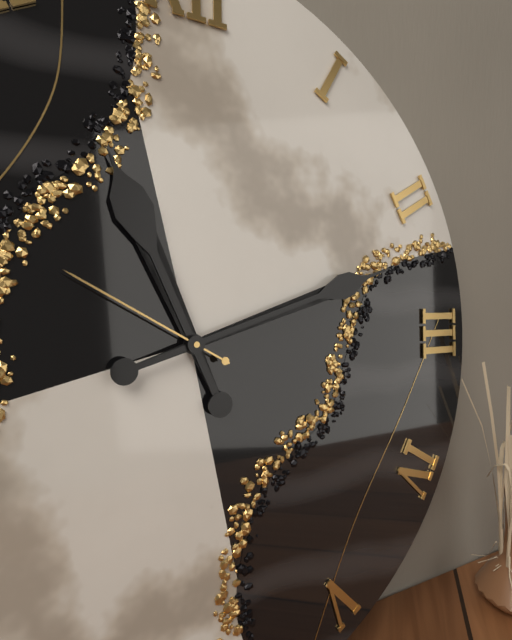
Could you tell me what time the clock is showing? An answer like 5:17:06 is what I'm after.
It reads 11:12:50
